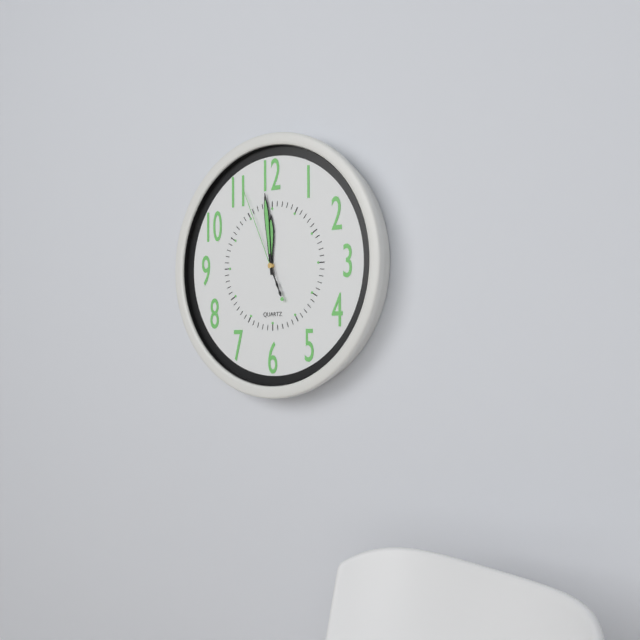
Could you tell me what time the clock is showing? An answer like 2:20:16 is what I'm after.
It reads 11:59:56
